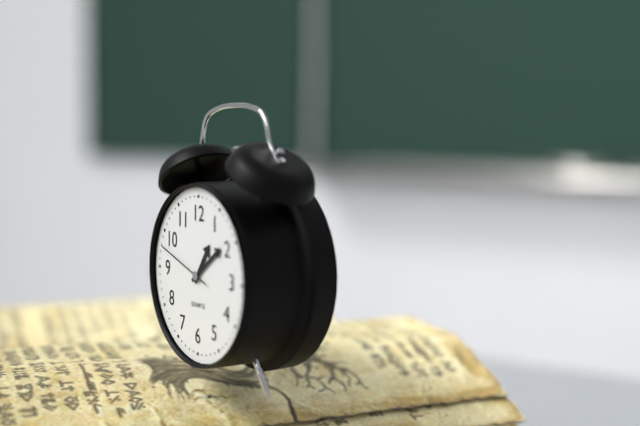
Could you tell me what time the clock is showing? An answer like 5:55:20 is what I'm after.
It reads 1:09:48
